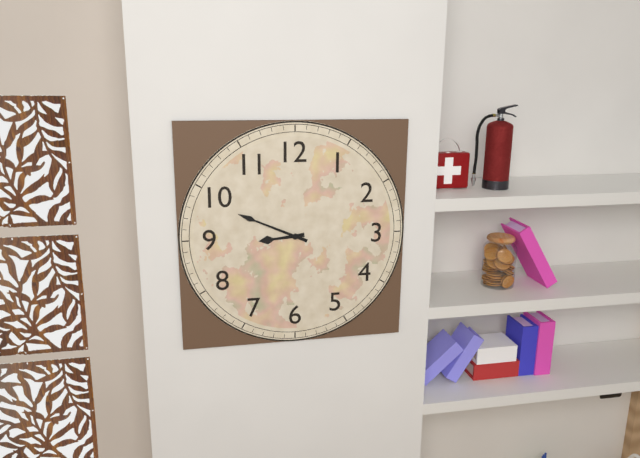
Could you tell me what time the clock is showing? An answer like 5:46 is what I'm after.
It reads 8:49
